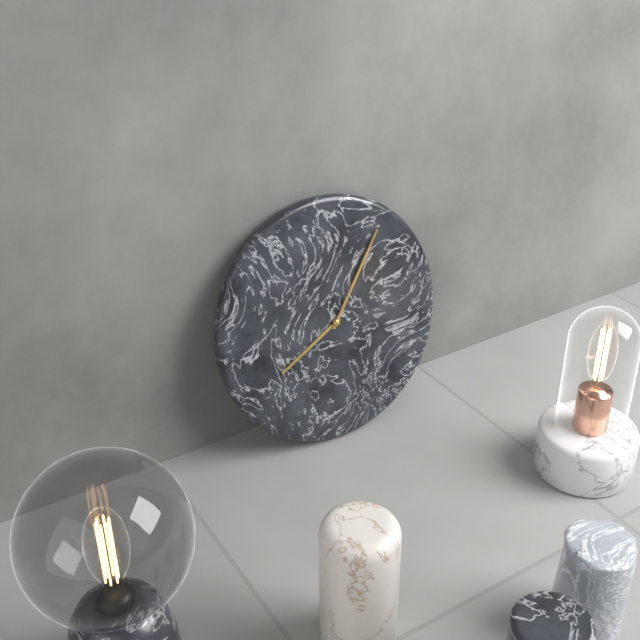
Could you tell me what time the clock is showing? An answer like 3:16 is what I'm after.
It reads 8:06
